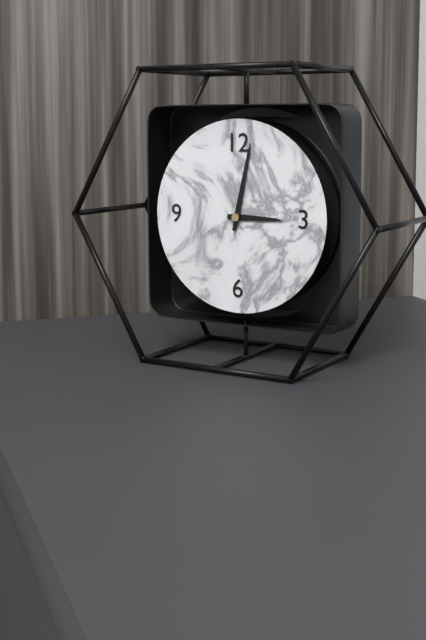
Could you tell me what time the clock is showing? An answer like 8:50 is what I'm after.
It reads 3:02
